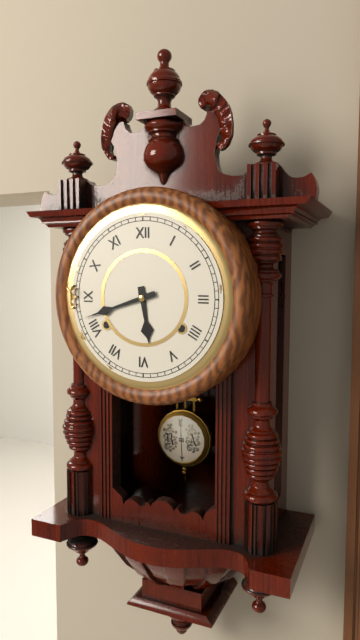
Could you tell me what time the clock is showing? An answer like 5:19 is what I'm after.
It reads 5:42
